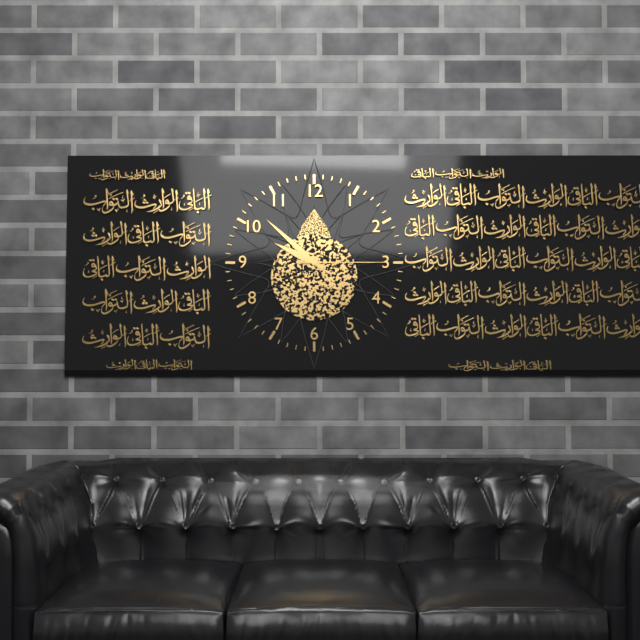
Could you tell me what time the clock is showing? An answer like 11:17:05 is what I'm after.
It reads 9:52:15
